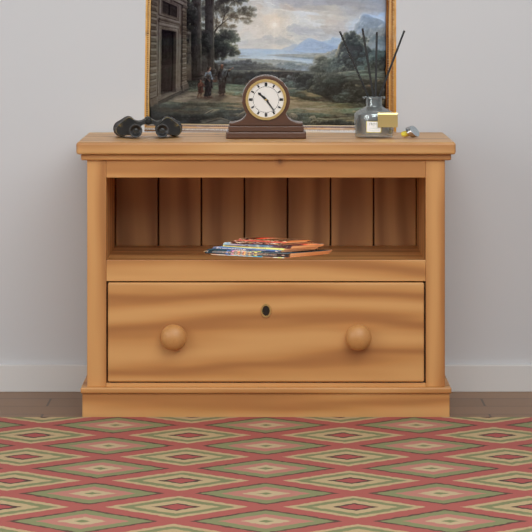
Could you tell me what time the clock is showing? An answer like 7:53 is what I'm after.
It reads 10:24
